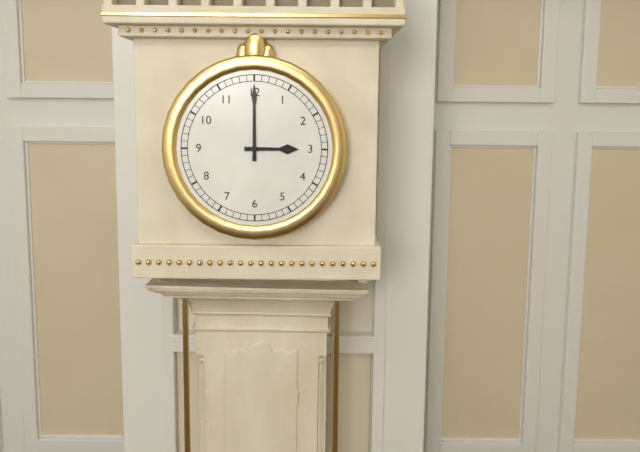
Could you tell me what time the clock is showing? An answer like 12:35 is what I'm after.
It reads 3:00
